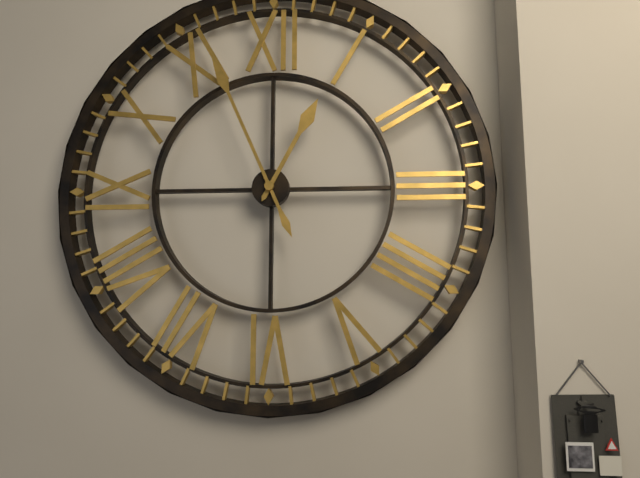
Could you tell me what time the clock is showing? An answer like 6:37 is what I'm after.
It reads 12:56
